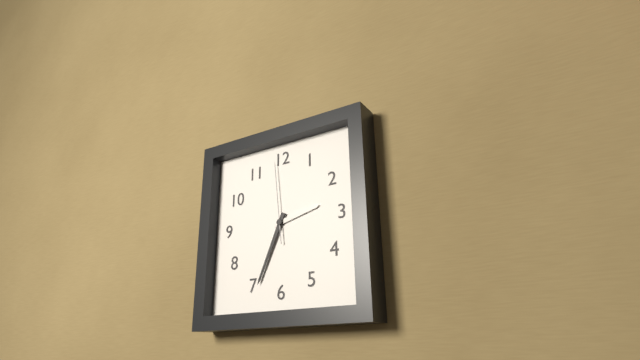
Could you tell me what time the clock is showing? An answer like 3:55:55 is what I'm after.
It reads 2:34:59
